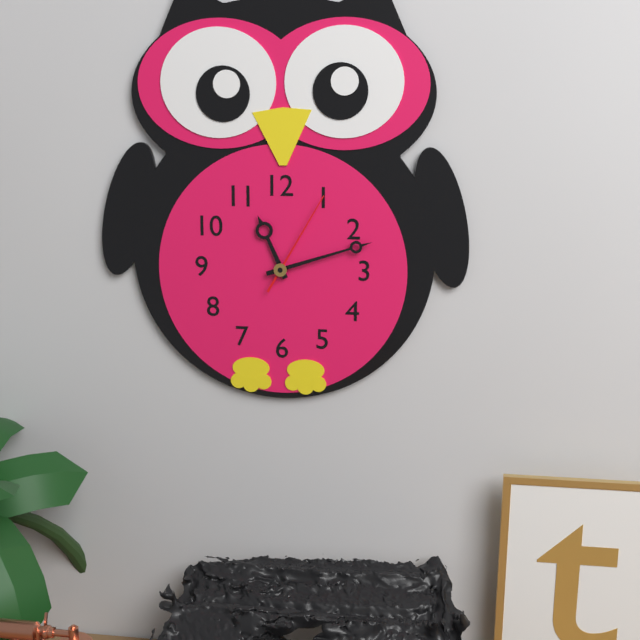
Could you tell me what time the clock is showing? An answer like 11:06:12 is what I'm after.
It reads 11:12:05
